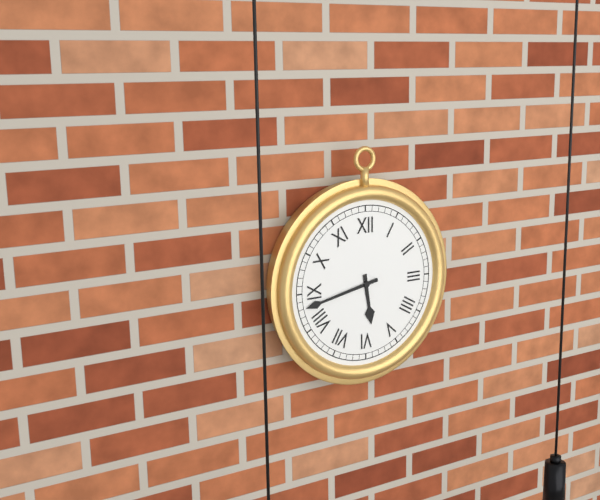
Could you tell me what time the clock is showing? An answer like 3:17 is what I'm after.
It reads 5:43
